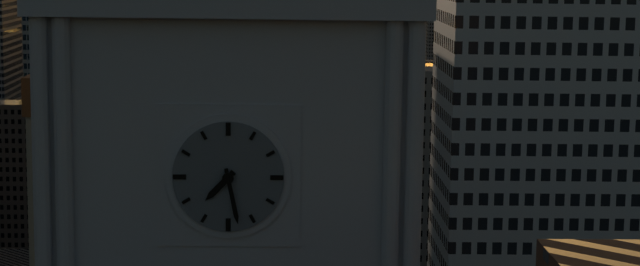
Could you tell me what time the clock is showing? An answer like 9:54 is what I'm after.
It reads 7:28
